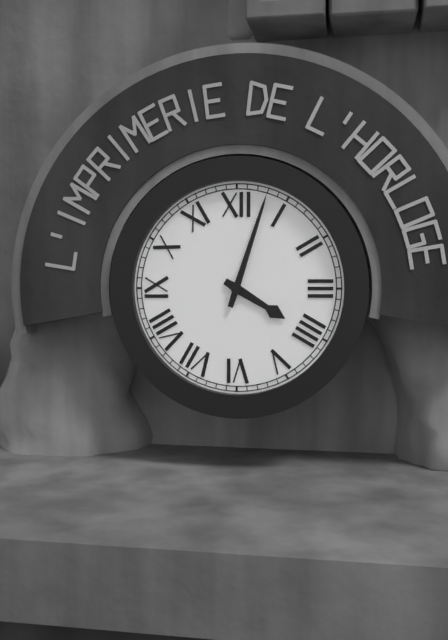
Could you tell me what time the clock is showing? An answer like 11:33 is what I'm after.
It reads 4:03
